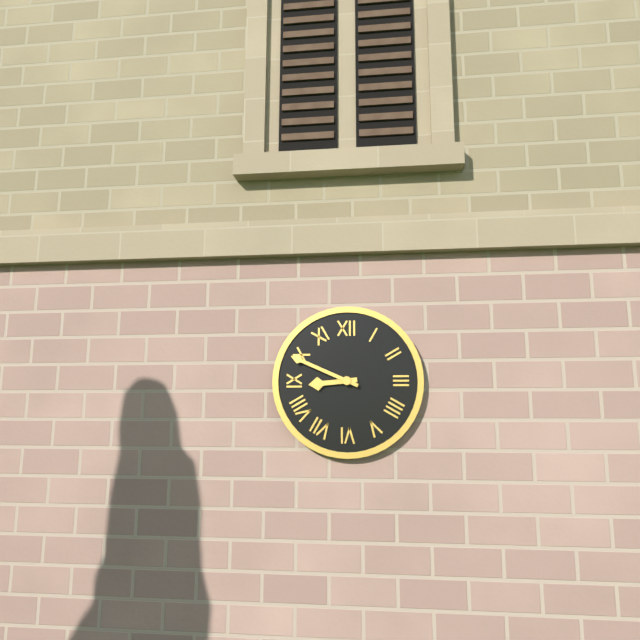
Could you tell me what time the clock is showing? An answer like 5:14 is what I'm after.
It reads 8:49
